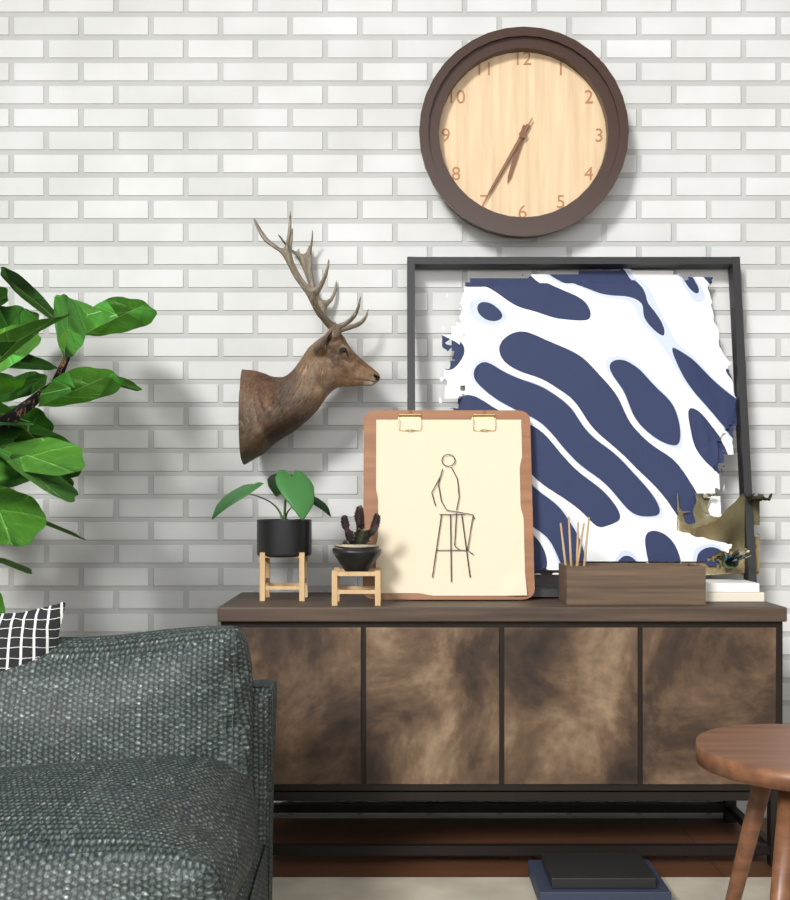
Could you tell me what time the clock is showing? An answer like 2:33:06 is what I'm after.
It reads 6:35:35
